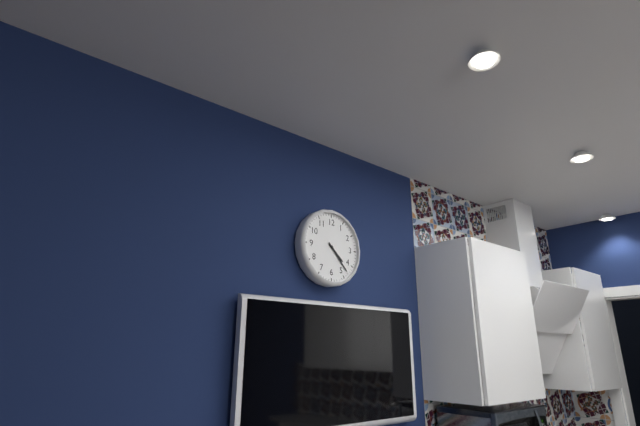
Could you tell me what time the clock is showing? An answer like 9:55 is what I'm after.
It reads 4:23
